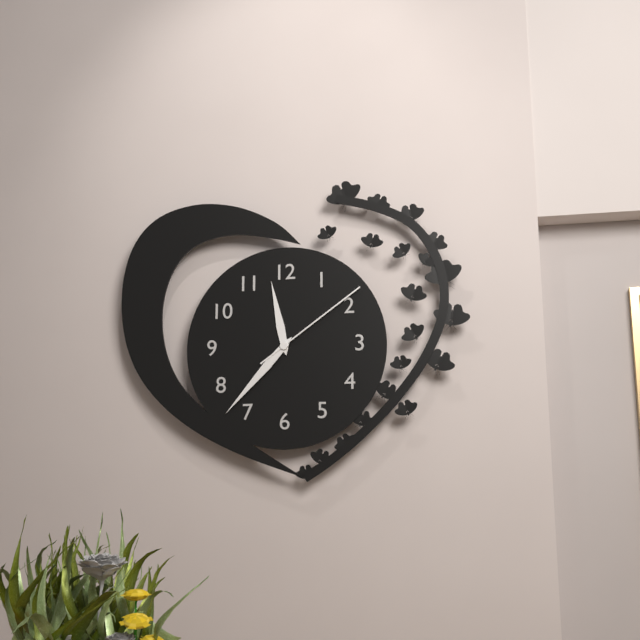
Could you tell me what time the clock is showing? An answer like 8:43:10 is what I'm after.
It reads 11:37:09
